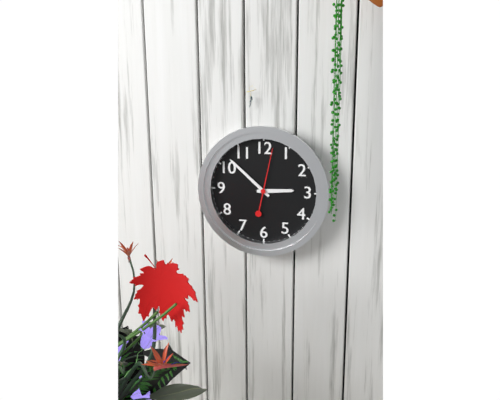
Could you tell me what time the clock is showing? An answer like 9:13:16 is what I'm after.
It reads 2:52:02
